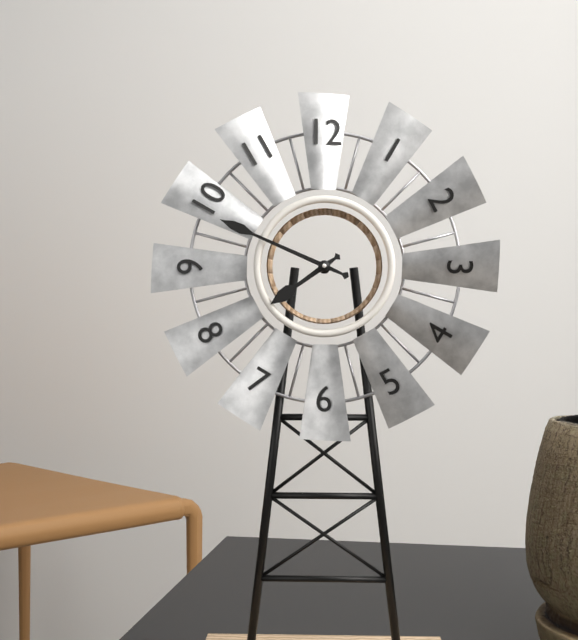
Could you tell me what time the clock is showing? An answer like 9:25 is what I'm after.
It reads 7:49
